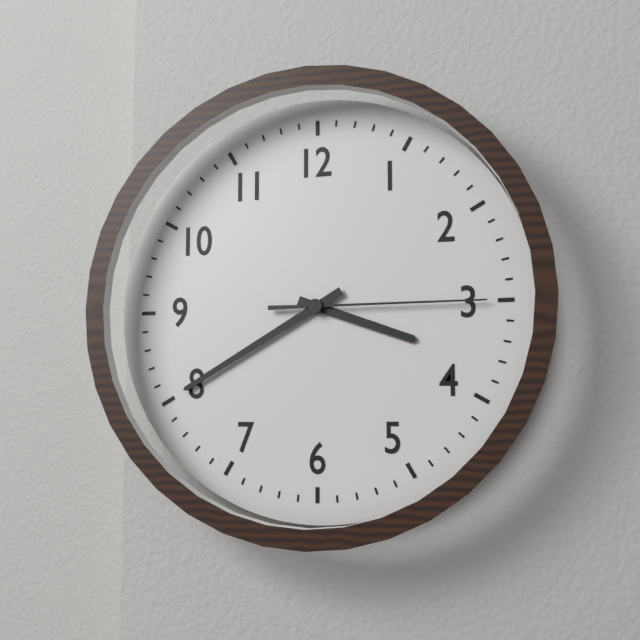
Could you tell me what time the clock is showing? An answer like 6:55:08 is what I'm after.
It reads 3:40:15
